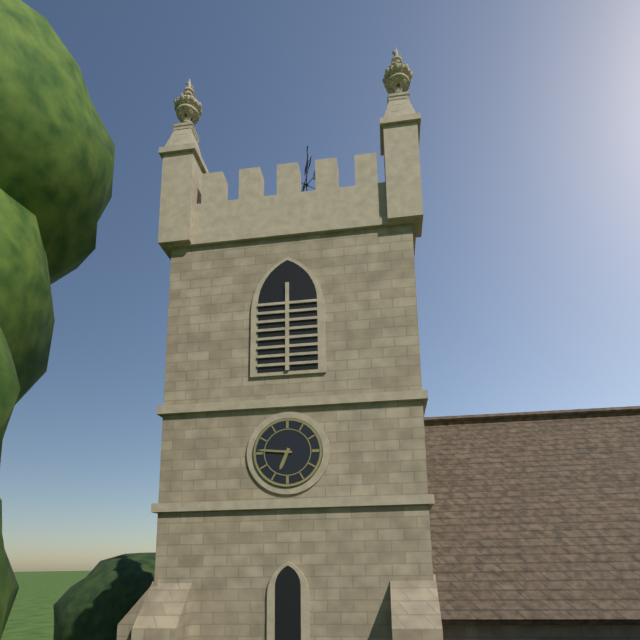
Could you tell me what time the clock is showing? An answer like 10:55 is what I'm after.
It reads 6:46
